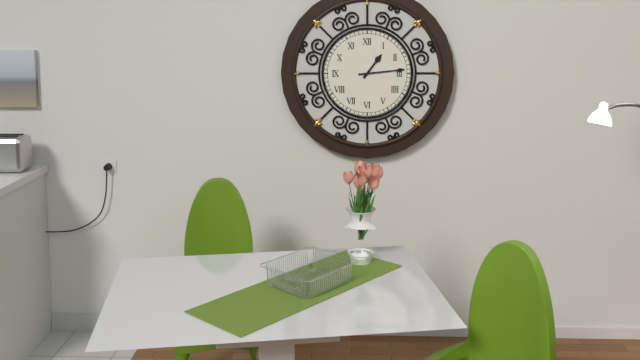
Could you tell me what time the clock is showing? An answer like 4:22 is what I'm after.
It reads 1:14
